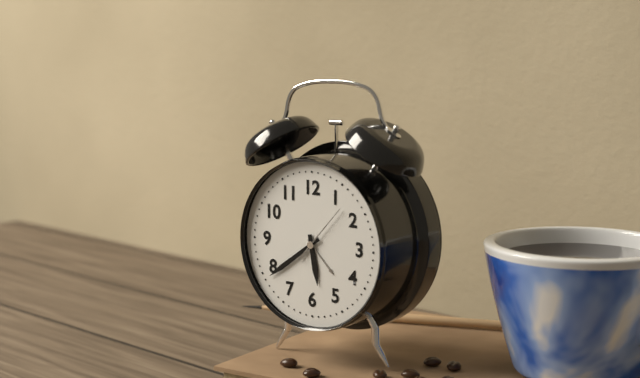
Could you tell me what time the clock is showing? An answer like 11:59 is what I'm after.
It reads 5:39
